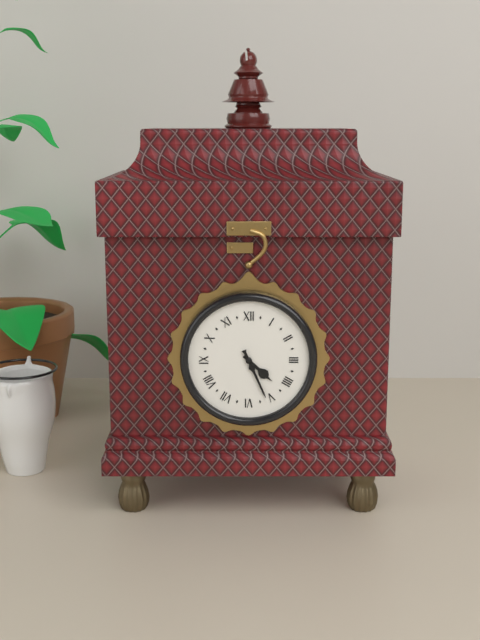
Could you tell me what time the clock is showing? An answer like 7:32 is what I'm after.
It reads 4:26
